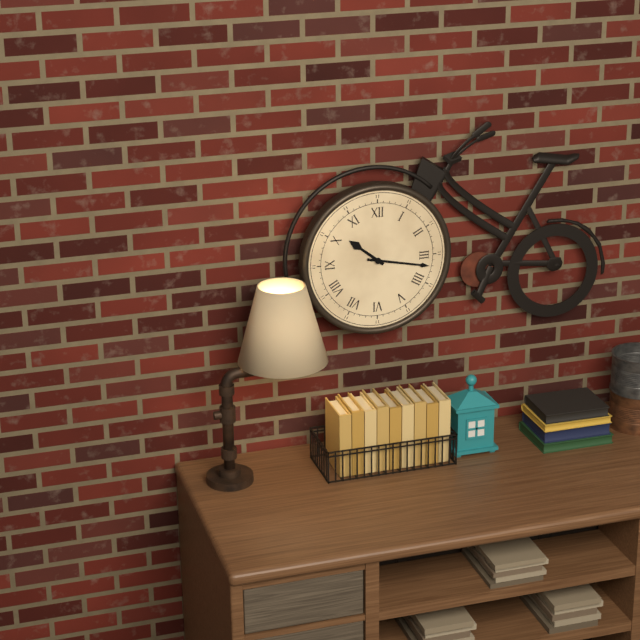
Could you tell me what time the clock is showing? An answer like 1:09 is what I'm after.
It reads 10:17
